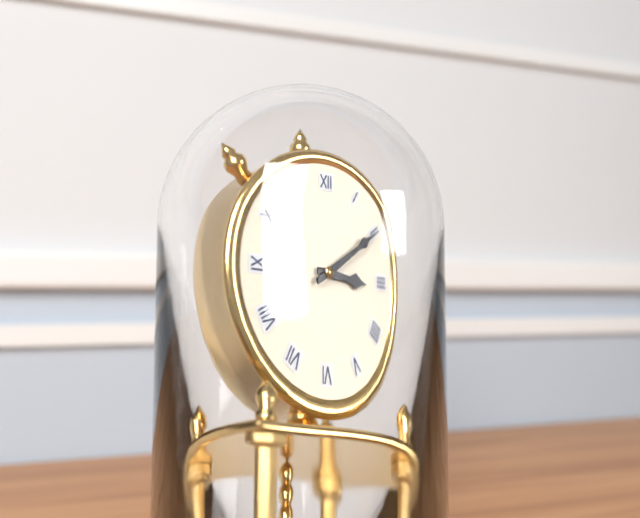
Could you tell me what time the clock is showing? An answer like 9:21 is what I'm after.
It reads 3:10
